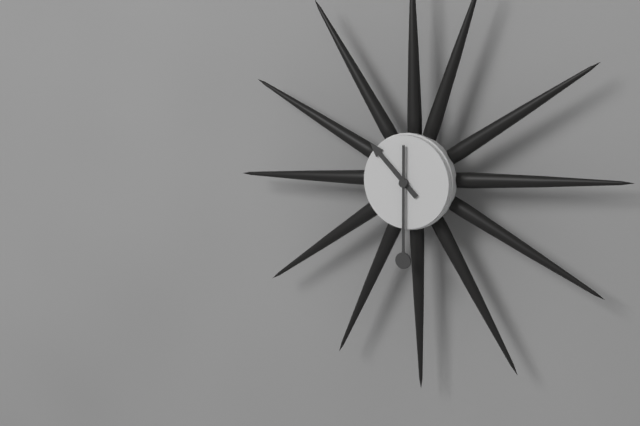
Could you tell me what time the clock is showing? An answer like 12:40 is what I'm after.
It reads 10:30
